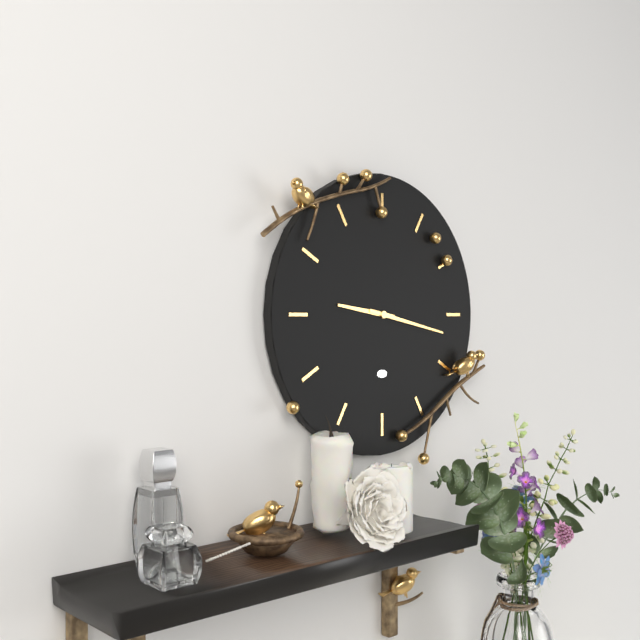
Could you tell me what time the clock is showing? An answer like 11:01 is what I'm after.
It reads 9:17
